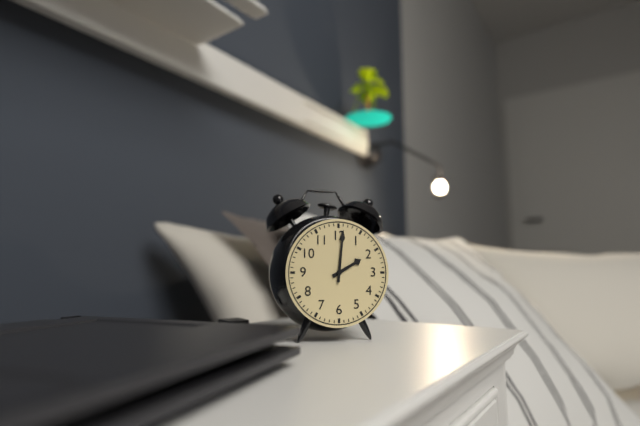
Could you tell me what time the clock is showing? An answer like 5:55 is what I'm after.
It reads 2:01
